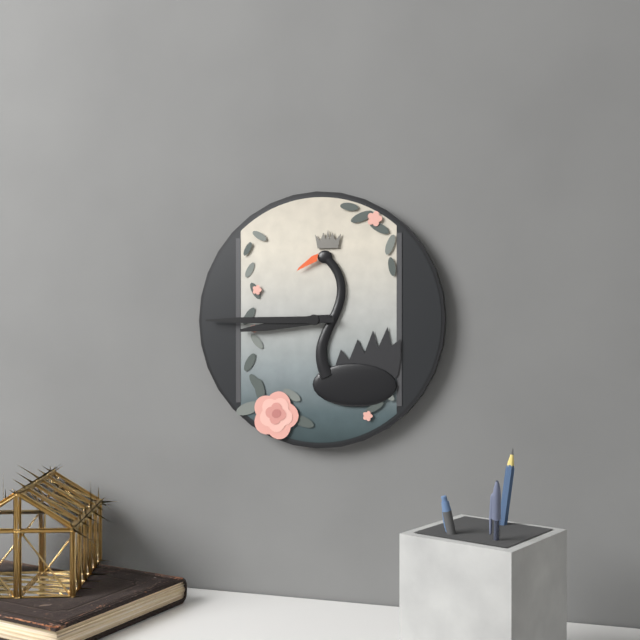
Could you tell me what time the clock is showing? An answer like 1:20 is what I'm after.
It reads 8:45
